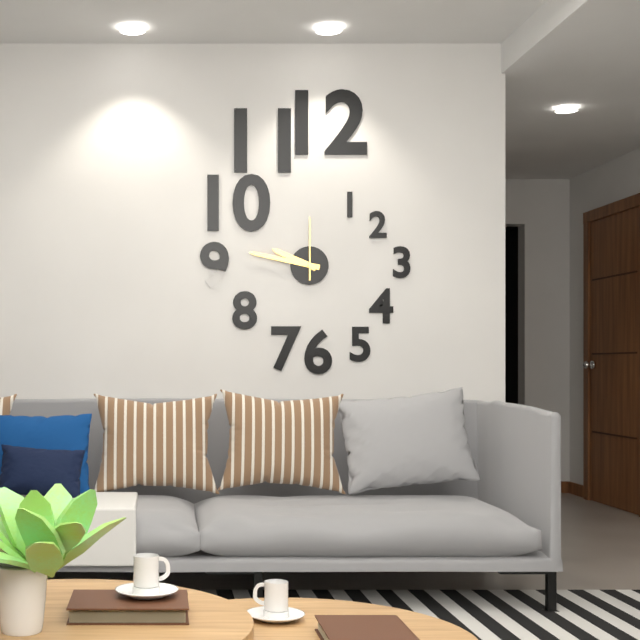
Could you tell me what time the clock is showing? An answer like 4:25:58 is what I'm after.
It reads 9:47:00
